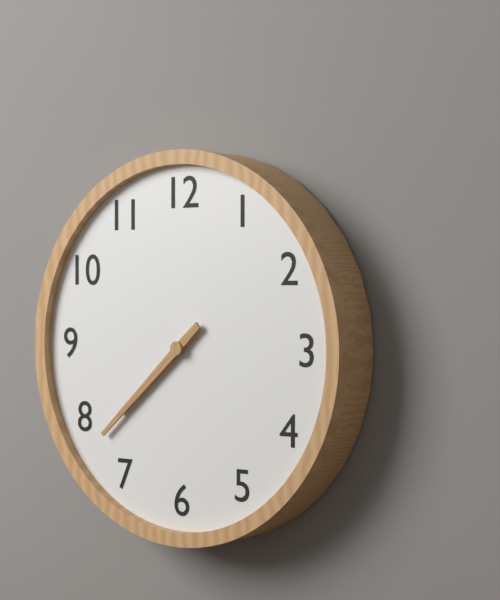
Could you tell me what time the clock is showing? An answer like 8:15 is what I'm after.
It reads 7:38
